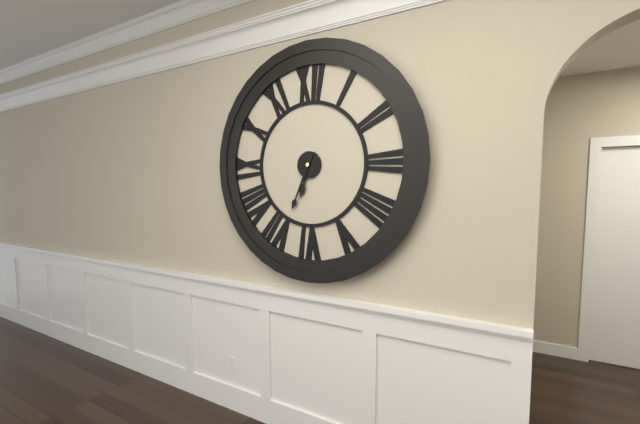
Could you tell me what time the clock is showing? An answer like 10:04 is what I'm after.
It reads 6:34
